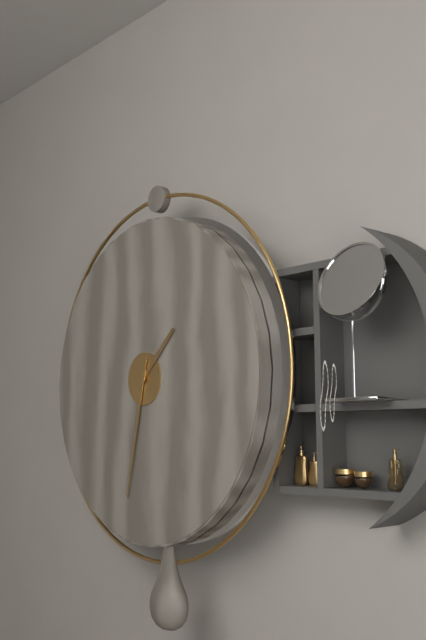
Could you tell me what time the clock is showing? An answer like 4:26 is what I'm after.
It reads 1:32
